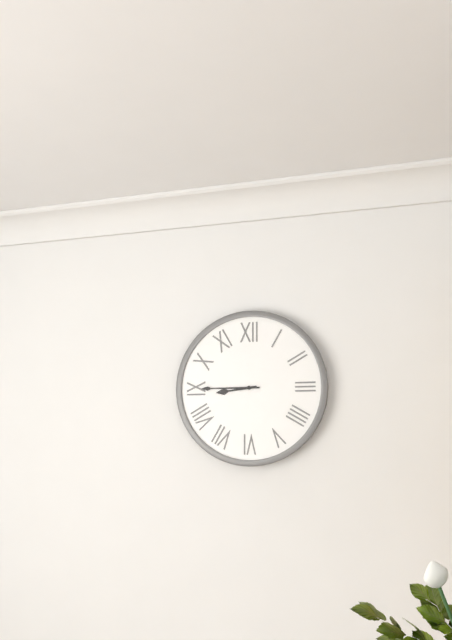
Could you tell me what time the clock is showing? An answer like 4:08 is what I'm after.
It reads 8:45
